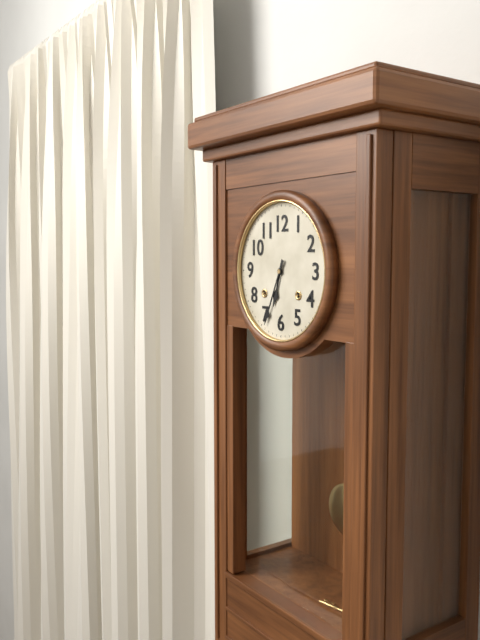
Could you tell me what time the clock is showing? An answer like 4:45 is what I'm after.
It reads 6:34
